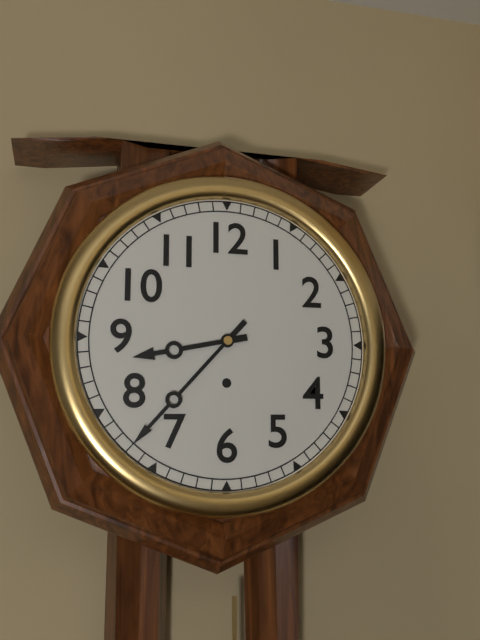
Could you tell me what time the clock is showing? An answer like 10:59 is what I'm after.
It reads 8:37
